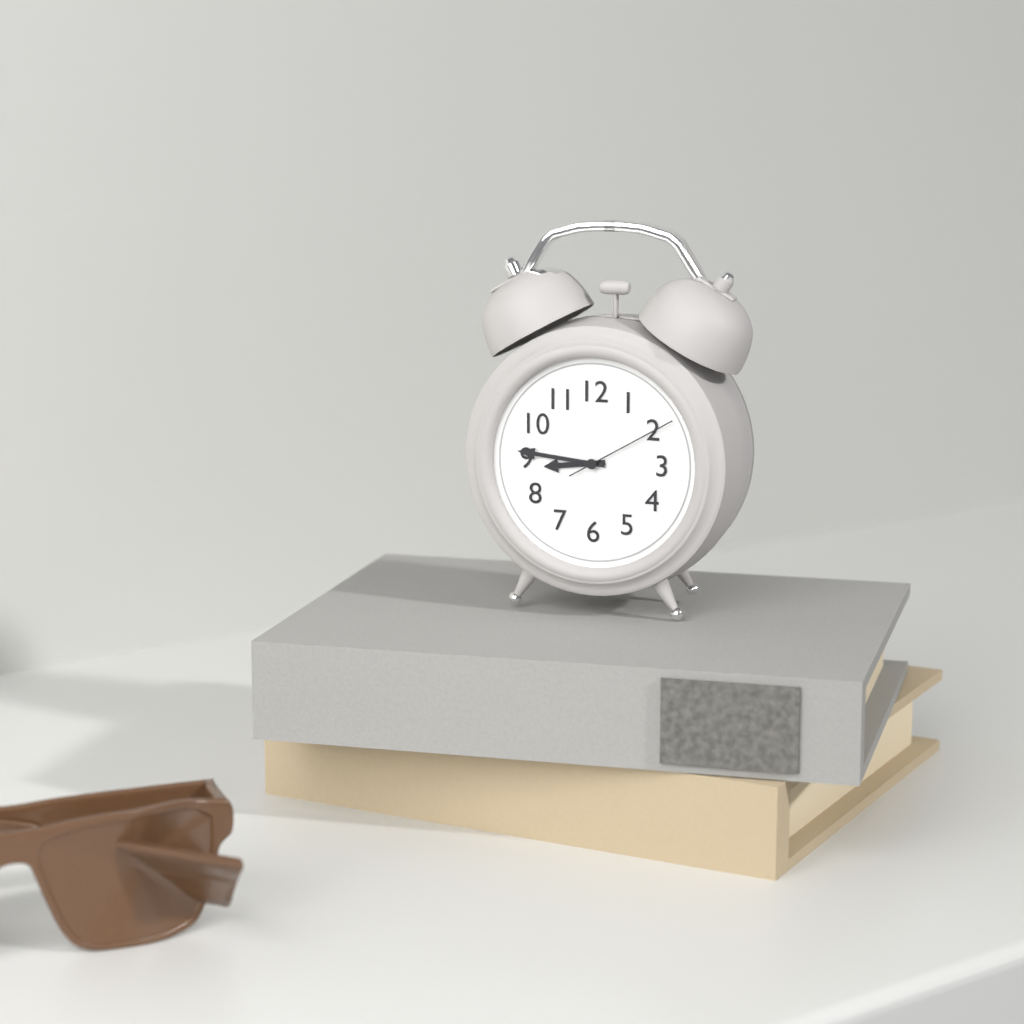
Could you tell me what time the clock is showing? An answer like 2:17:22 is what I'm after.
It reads 8:46:10
